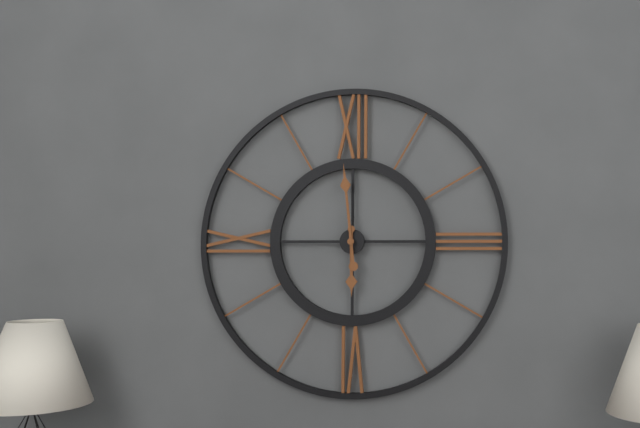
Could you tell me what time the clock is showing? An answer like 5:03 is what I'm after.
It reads 5:59
